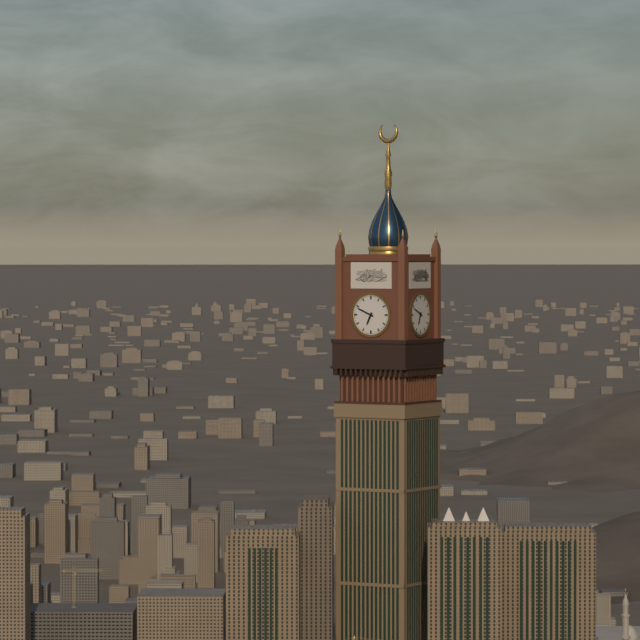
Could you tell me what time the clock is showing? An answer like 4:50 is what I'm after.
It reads 6:49
